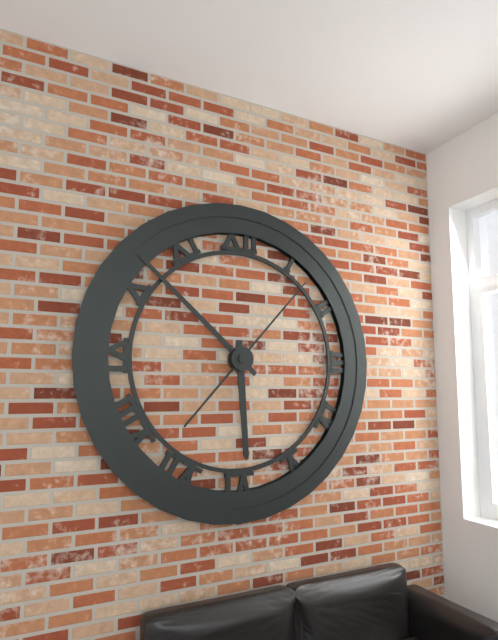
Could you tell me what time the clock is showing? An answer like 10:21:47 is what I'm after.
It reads 5:52:07
